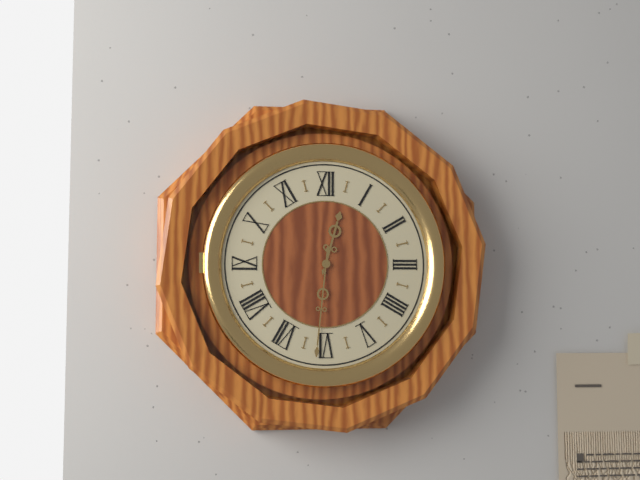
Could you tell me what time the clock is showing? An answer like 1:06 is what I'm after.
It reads 12:31
